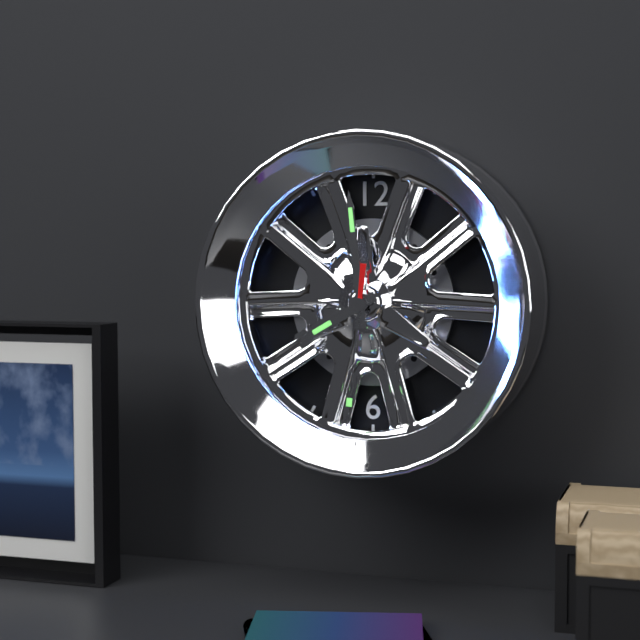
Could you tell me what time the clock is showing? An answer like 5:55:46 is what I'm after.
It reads 7:59:31
